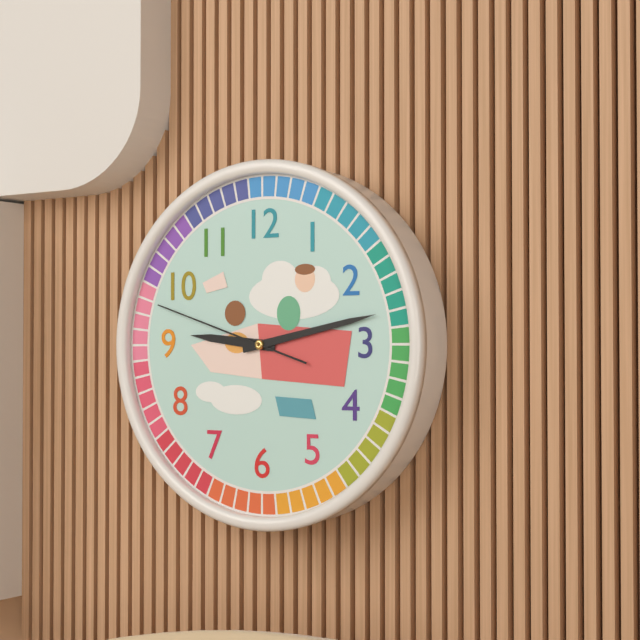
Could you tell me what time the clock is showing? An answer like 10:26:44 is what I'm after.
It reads 9:13:48
